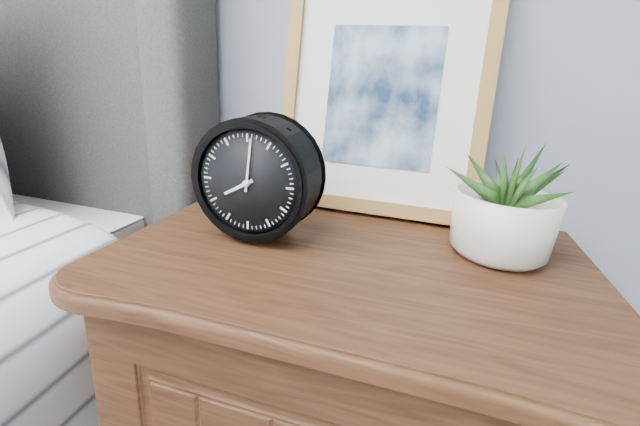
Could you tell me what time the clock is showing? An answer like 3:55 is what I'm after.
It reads 8:01
